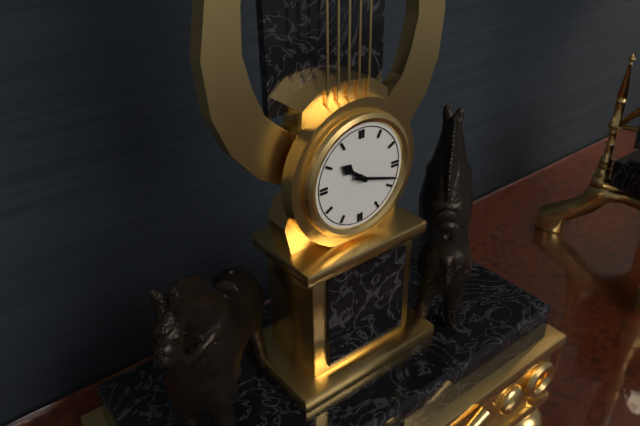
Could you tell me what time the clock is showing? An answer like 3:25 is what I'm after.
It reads 10:18
